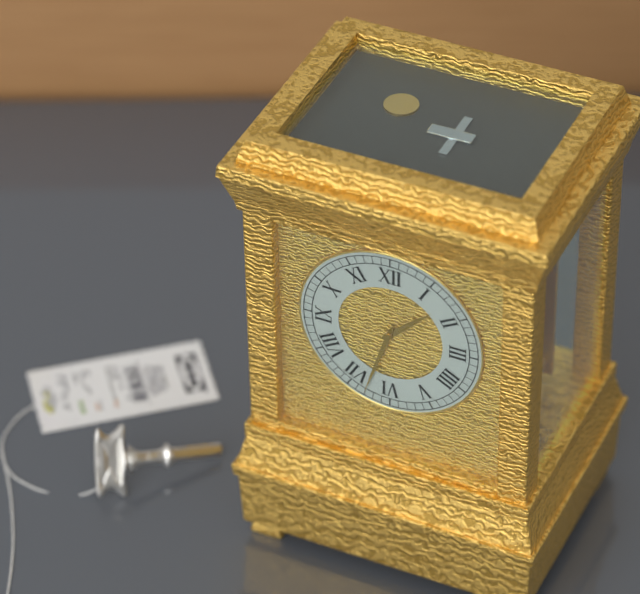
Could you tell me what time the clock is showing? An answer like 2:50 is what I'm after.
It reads 1:33
